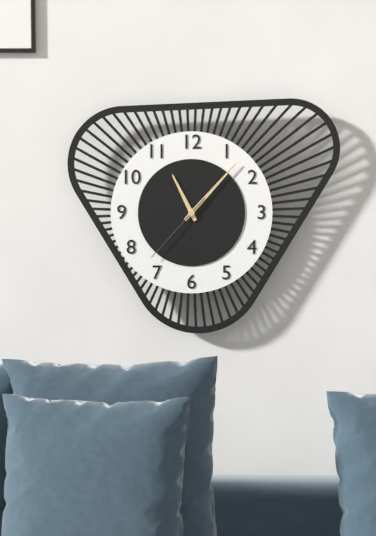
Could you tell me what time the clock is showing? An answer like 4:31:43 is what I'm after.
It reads 11:07:37
